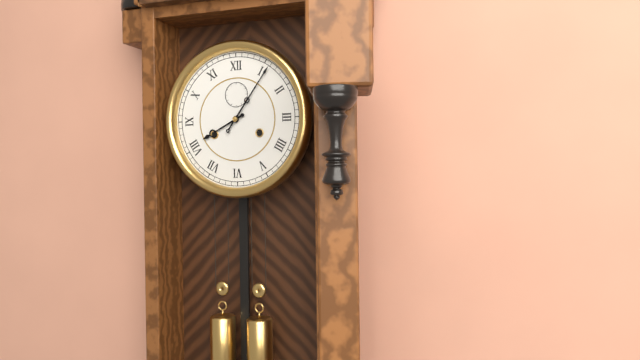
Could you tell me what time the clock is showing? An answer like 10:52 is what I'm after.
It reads 8:06
